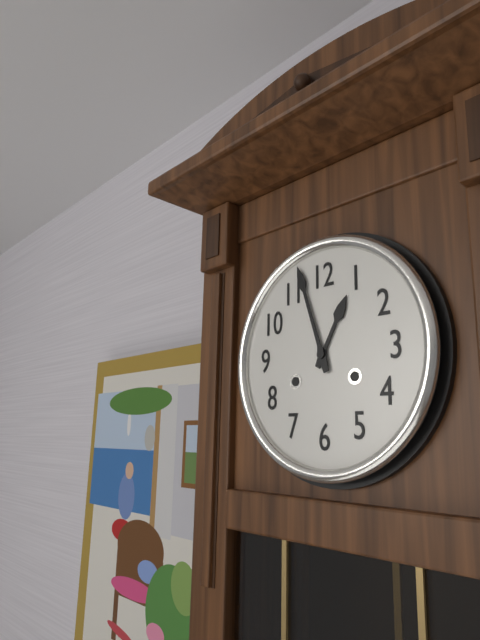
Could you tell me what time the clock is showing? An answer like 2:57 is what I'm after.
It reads 12:57
